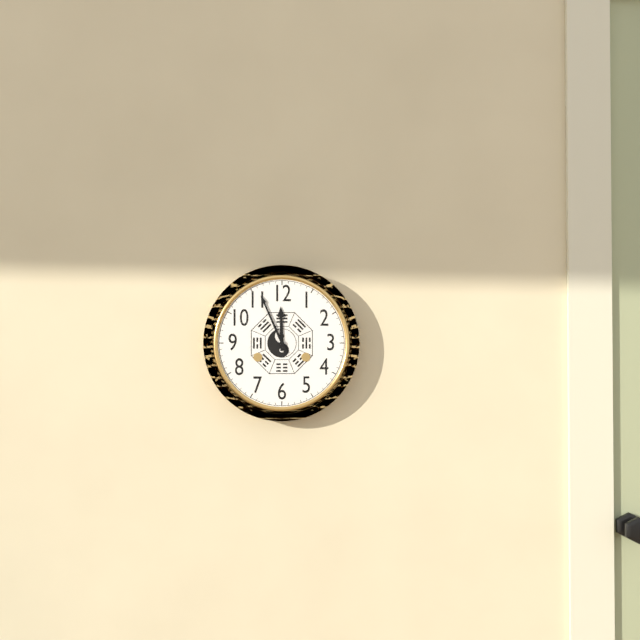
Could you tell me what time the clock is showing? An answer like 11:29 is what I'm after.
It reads 11:56
